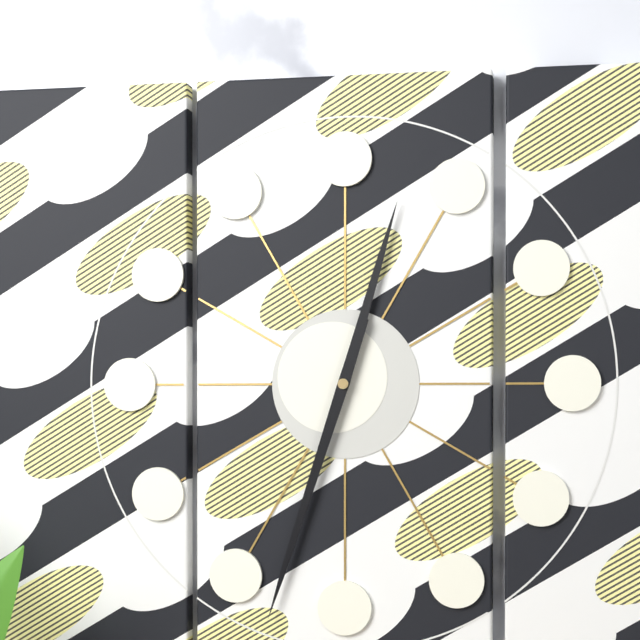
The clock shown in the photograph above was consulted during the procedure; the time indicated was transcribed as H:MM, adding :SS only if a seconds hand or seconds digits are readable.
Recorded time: 12:33
